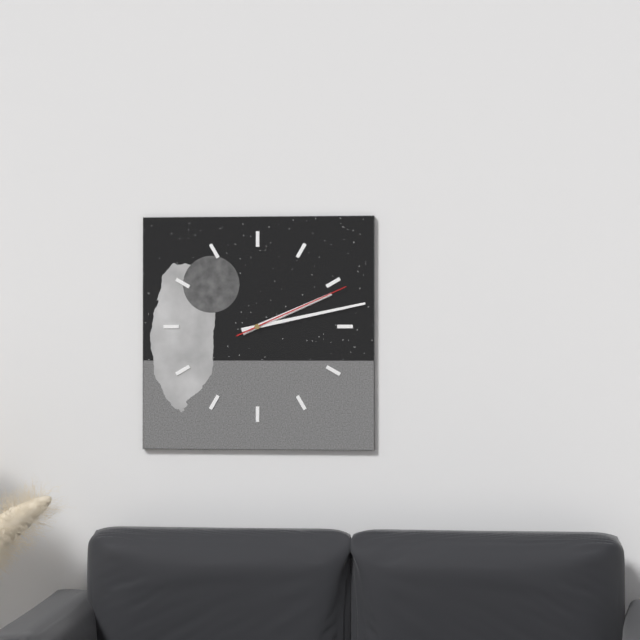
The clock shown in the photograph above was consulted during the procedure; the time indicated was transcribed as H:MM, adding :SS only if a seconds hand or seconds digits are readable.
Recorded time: 2:13:11
